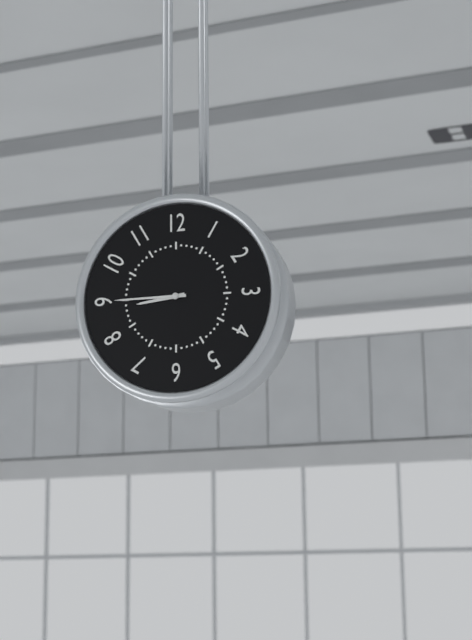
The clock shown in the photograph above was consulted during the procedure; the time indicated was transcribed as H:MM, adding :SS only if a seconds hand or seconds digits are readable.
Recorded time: 8:45
